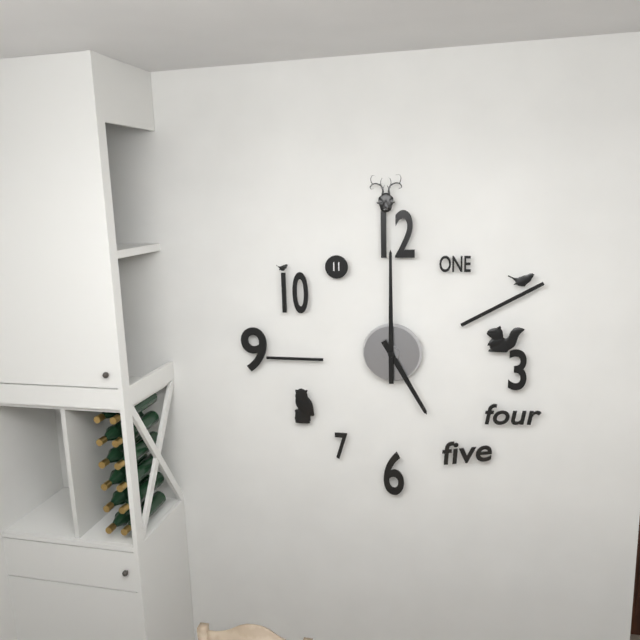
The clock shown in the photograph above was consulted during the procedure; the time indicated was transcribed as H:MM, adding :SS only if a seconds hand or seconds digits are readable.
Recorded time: 5:00
